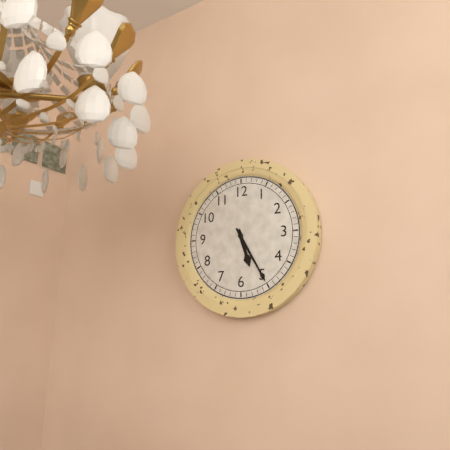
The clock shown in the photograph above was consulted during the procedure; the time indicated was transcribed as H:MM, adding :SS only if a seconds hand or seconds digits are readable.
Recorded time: 5:25
